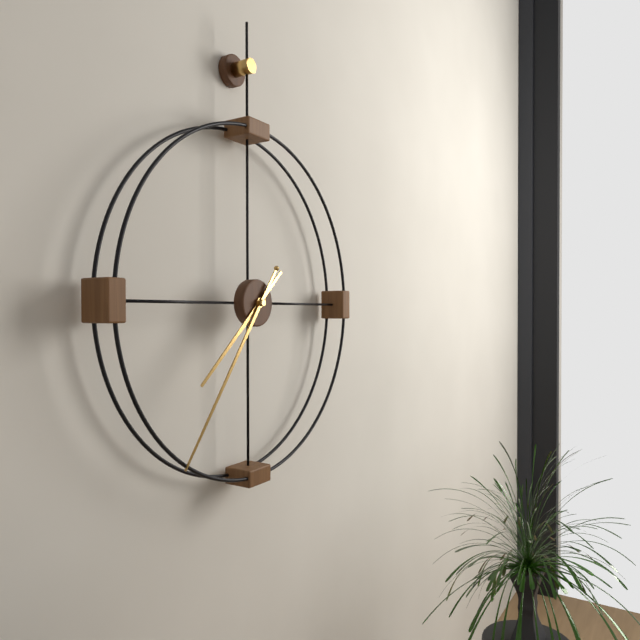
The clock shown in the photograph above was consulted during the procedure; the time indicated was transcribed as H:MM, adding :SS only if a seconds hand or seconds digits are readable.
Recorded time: 7:36
